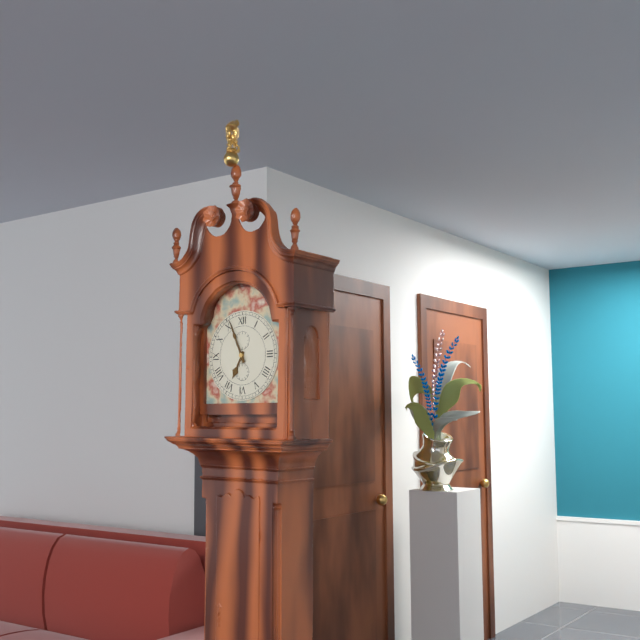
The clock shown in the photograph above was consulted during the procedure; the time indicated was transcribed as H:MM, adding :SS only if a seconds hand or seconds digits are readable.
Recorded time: 6:56
